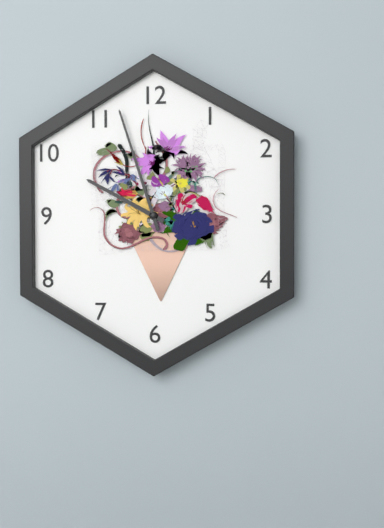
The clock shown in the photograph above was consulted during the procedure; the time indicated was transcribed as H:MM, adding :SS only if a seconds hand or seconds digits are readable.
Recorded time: 9:57
